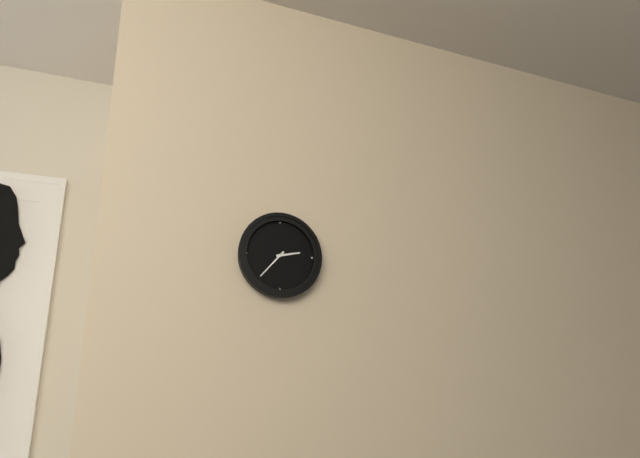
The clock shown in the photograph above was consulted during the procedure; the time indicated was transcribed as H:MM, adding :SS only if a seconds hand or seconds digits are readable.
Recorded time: 2:37
